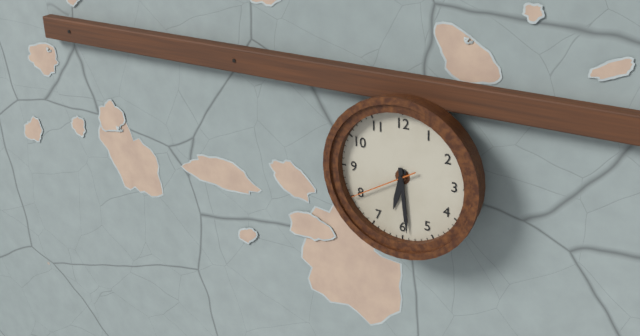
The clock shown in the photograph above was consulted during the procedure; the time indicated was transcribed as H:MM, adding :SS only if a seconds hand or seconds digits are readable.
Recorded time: 6:29:40
